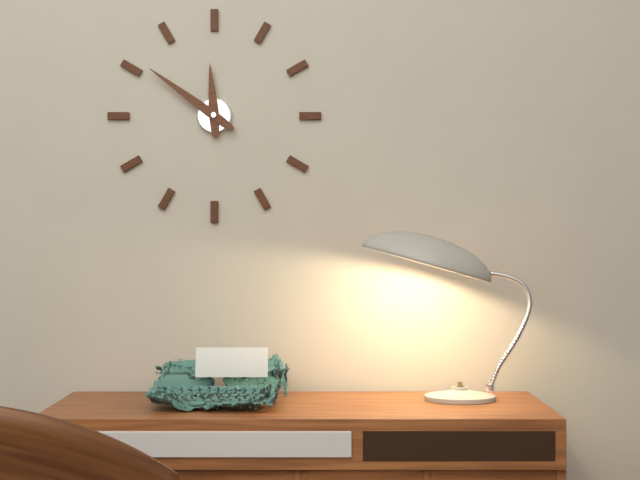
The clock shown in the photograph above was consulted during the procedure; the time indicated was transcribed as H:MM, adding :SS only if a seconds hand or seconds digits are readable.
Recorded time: 11:51
